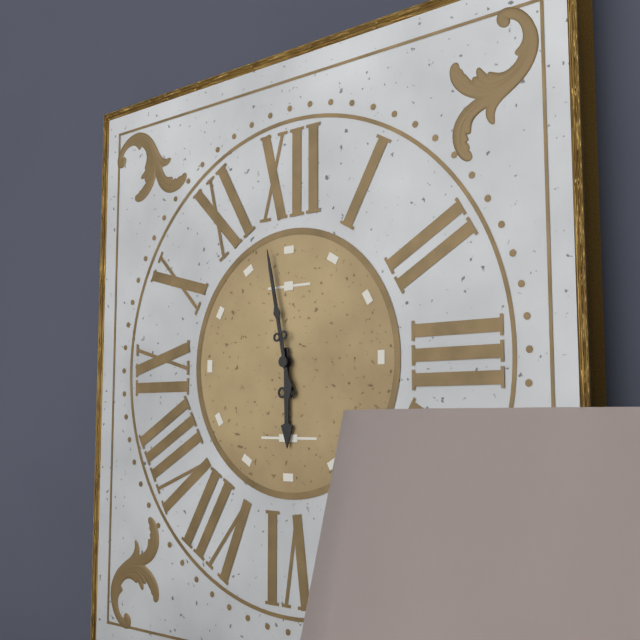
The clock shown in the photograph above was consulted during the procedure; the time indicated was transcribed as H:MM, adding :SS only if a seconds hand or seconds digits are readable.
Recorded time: 5:58
